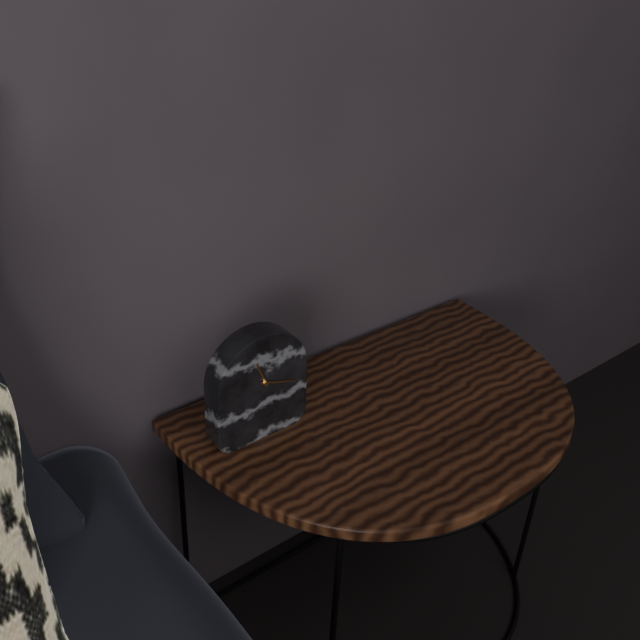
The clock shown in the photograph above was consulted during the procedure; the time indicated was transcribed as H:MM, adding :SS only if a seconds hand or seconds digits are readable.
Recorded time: 11:18
